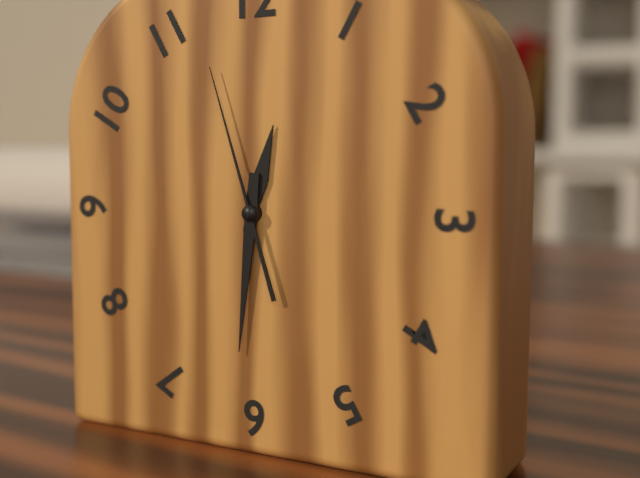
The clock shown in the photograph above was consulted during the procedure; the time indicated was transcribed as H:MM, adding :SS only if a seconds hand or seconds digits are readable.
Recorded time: 12:31:57
